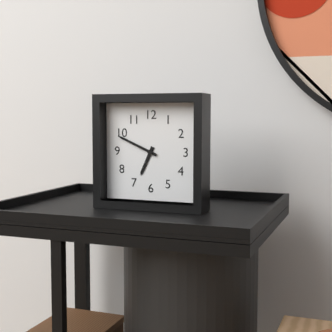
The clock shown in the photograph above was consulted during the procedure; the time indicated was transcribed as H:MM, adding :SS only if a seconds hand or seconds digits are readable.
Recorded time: 6:49
